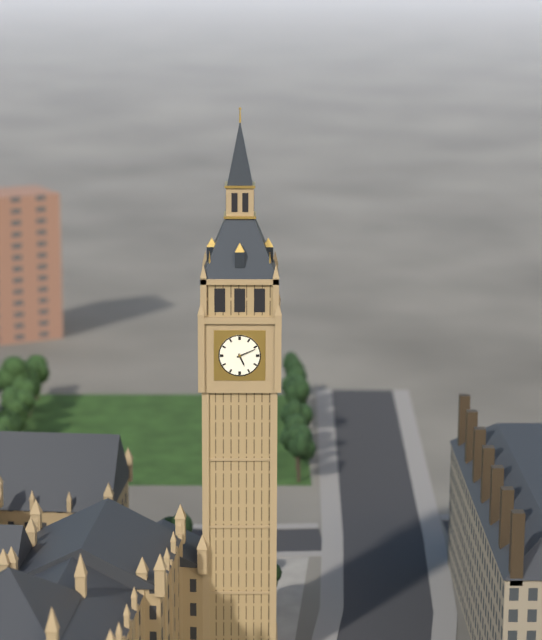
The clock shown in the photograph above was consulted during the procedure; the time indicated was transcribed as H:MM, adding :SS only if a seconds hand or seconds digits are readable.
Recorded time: 5:11
